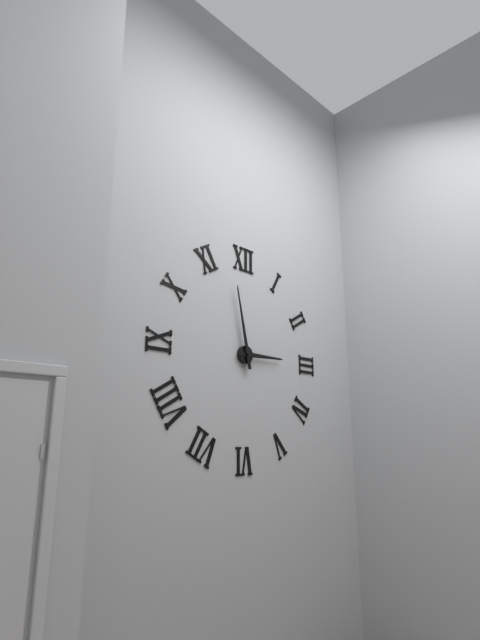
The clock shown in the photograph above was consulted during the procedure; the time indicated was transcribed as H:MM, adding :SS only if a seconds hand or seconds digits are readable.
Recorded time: 2:58
